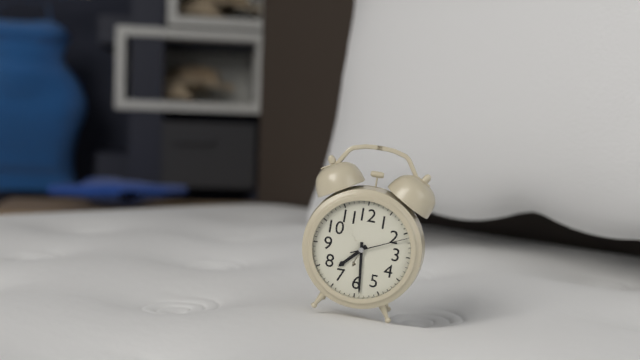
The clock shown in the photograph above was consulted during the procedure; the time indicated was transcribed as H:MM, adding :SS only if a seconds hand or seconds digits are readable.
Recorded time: 7:29:11
